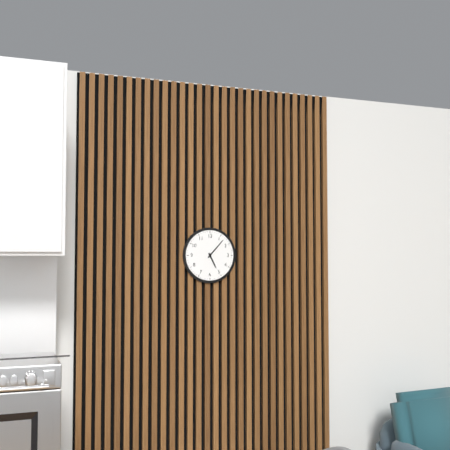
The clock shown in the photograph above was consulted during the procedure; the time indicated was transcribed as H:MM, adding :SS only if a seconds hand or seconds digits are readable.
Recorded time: 5:07
